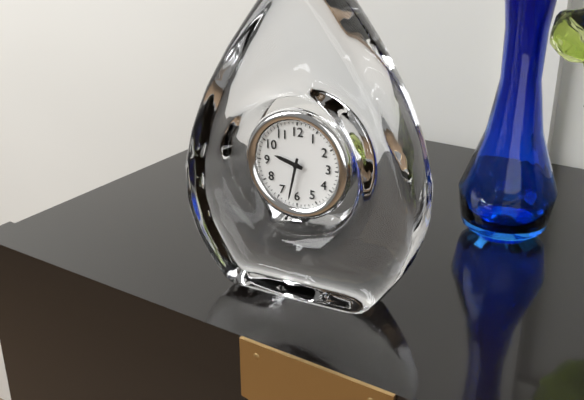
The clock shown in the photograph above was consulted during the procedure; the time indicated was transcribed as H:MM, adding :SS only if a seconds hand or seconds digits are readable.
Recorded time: 9:32
